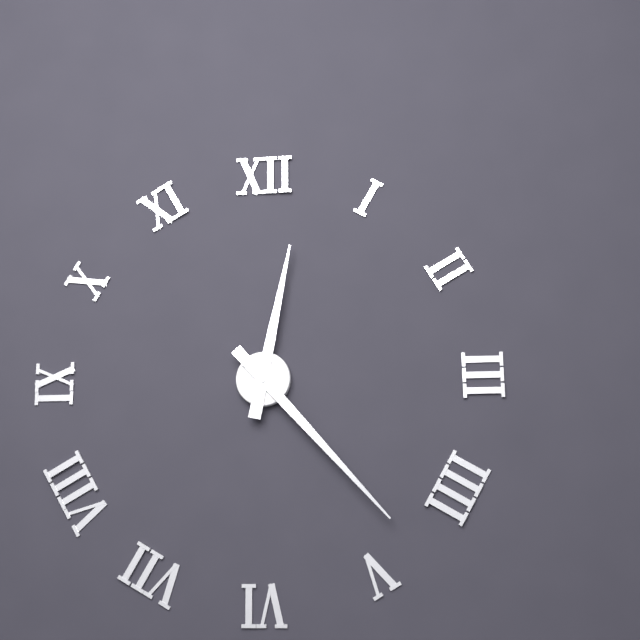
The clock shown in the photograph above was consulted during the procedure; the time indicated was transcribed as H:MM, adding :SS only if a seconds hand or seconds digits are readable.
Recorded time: 12:23
